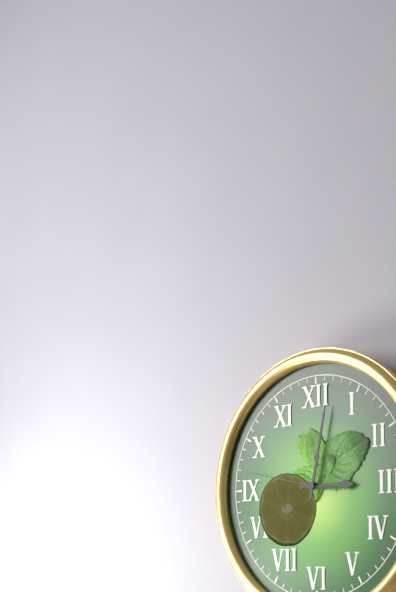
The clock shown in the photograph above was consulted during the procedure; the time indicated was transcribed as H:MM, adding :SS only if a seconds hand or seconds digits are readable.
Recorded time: 3:02:47
